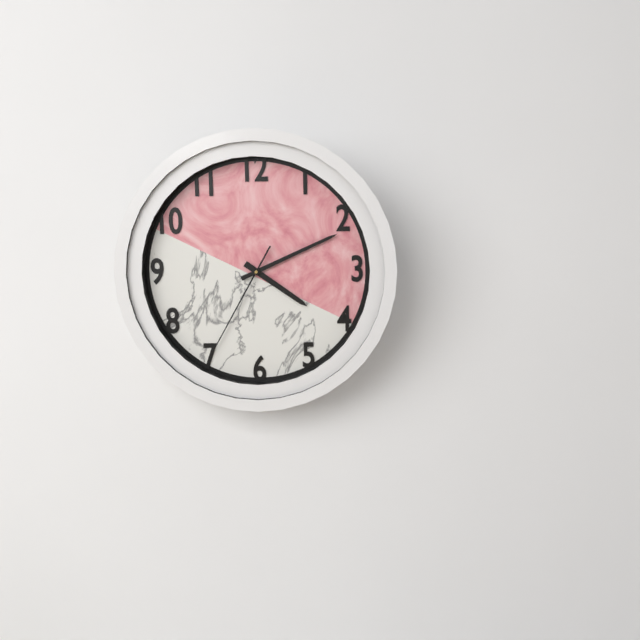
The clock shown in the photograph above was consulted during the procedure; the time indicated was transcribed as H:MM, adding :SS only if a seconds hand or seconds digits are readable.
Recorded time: 4:11:35
